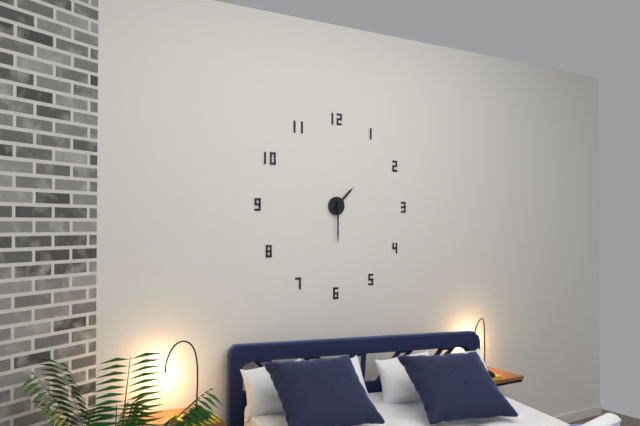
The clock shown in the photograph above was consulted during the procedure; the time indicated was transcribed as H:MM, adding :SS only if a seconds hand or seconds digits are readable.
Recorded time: 1:30
